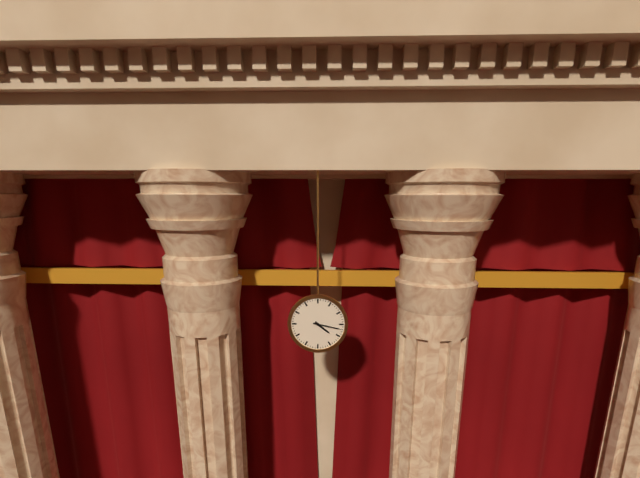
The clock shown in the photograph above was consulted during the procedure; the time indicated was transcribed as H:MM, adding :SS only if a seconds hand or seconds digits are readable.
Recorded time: 4:17
